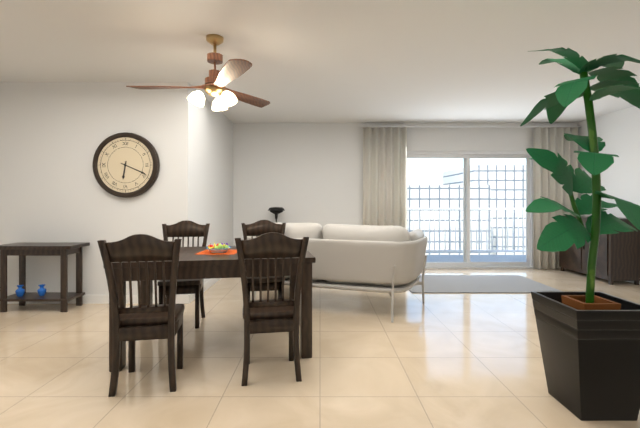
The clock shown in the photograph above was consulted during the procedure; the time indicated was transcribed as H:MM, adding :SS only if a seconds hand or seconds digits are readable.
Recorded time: 6:19
